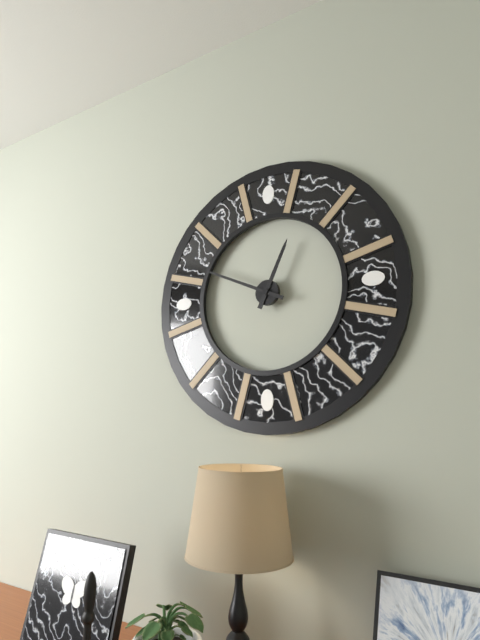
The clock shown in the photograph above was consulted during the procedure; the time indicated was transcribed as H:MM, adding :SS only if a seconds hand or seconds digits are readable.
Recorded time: 12:49
